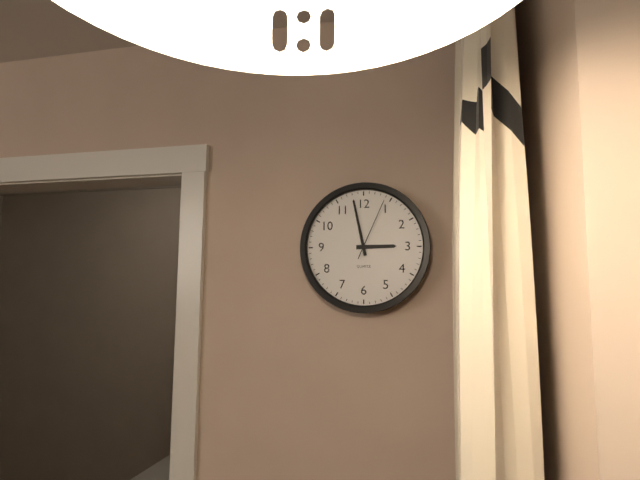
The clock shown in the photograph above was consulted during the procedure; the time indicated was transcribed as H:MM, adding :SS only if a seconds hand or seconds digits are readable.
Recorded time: 2:58:04
